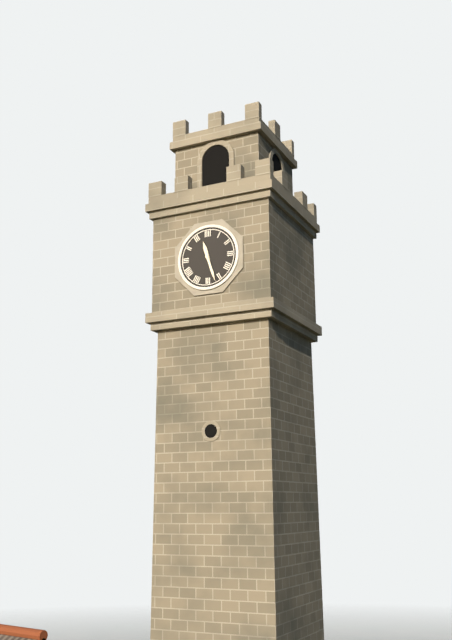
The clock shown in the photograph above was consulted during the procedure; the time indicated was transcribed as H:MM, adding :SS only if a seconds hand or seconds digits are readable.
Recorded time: 11:27
